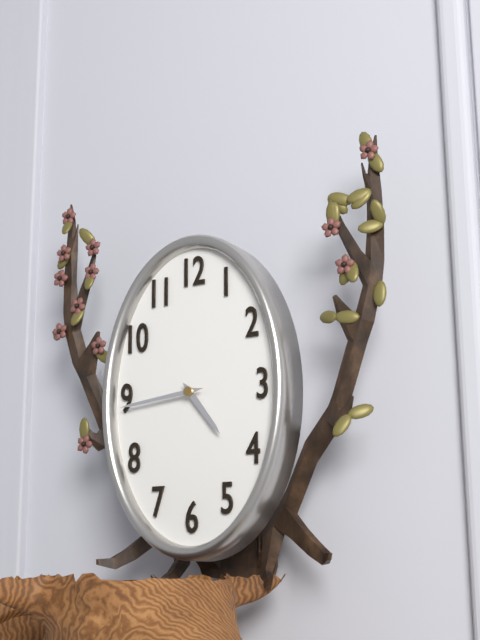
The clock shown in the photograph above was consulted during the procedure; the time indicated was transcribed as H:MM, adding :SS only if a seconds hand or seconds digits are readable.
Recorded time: 4:44
